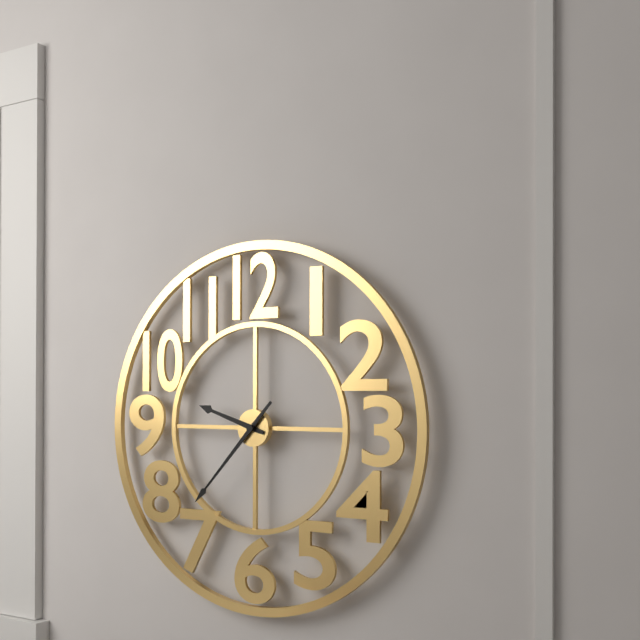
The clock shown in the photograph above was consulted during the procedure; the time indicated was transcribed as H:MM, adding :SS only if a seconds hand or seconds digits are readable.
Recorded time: 9:37
